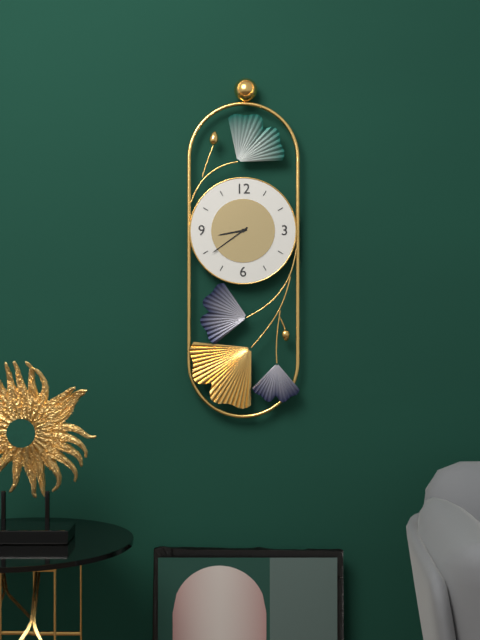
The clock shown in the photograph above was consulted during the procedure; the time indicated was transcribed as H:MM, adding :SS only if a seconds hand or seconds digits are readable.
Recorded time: 8:39
